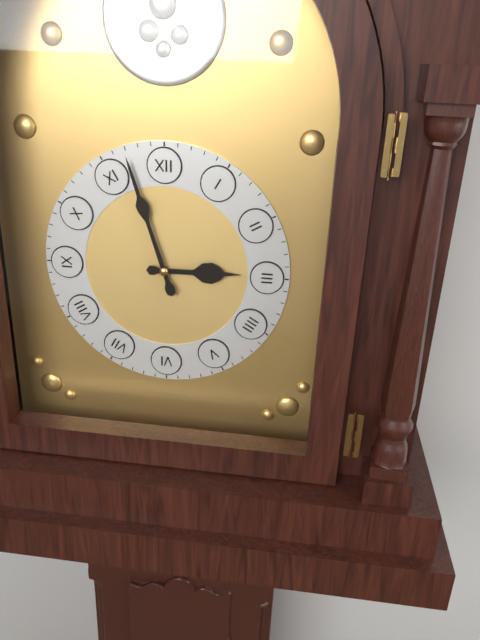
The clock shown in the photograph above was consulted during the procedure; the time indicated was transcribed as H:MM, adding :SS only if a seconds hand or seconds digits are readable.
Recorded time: 2:57
